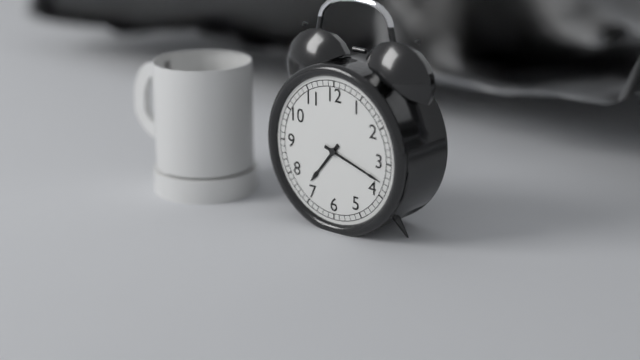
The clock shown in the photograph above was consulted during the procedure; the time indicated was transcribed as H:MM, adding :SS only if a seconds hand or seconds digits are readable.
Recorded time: 7:18
